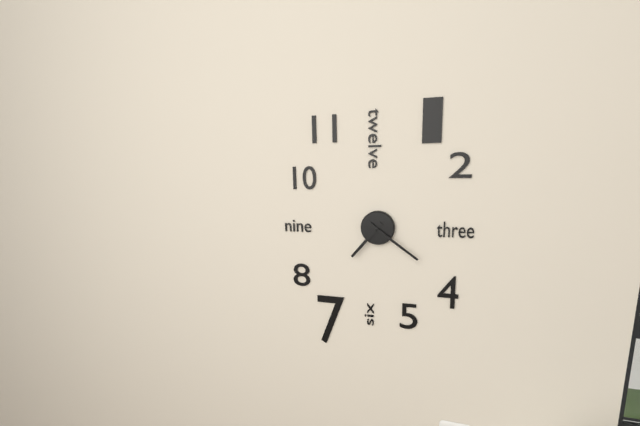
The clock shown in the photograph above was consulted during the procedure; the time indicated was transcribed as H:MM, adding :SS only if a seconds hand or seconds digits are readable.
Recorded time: 7:21
